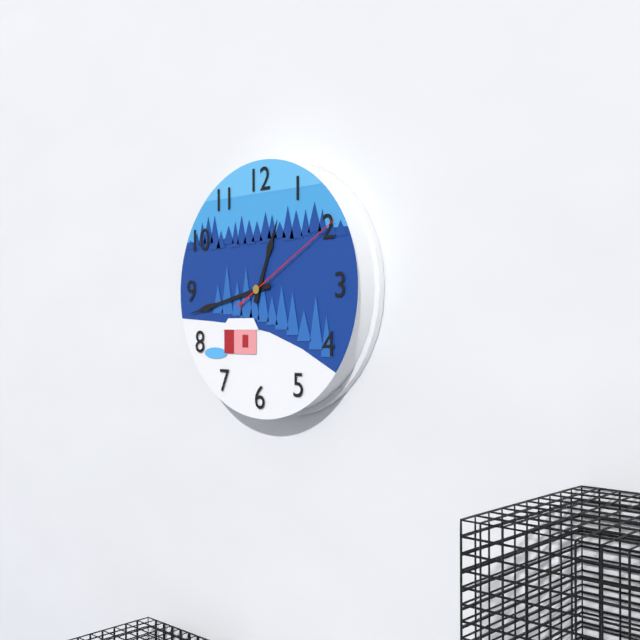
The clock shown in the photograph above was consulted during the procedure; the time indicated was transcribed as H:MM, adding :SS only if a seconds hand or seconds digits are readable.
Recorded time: 12:43:10
